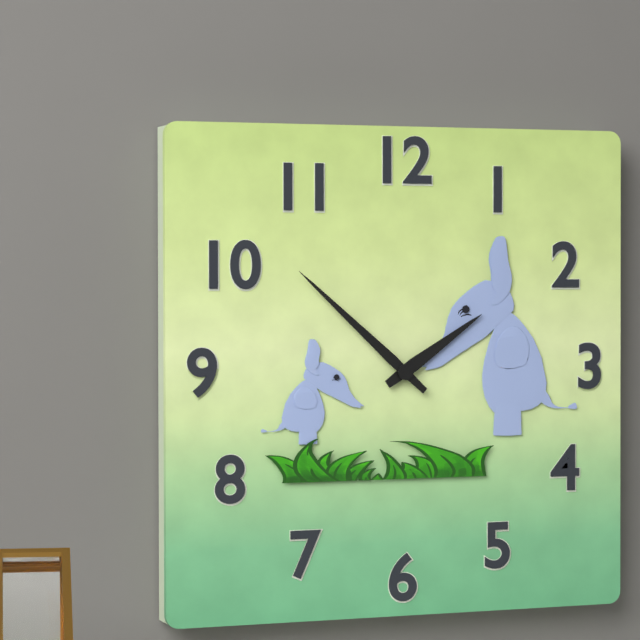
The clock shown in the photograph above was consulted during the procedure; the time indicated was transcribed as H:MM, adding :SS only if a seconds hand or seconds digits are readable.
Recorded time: 1:52
